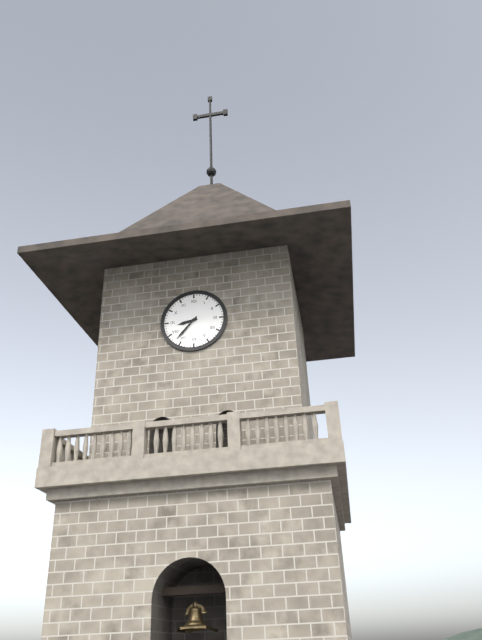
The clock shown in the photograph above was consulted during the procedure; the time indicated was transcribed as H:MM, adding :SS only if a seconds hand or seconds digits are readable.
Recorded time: 8:37
